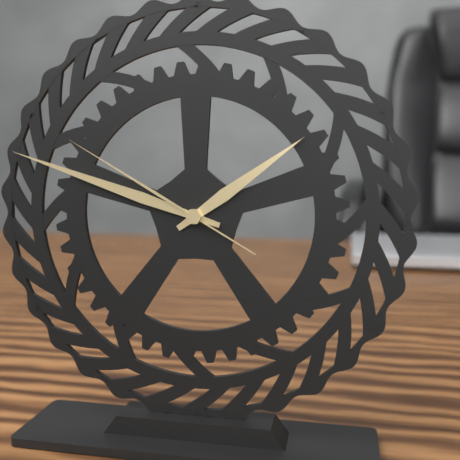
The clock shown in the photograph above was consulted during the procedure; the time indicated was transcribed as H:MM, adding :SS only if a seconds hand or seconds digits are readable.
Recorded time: 1:48:50
